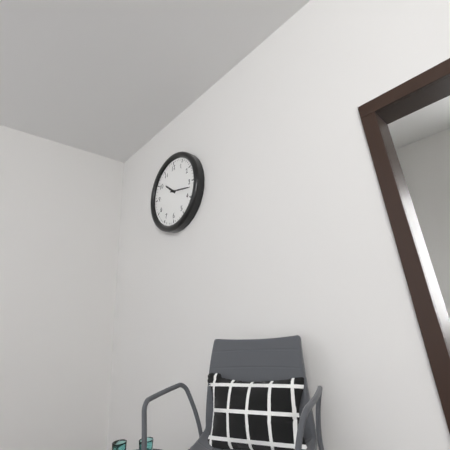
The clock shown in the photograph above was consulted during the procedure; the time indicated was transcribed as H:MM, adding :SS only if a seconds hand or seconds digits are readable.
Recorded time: 10:17
